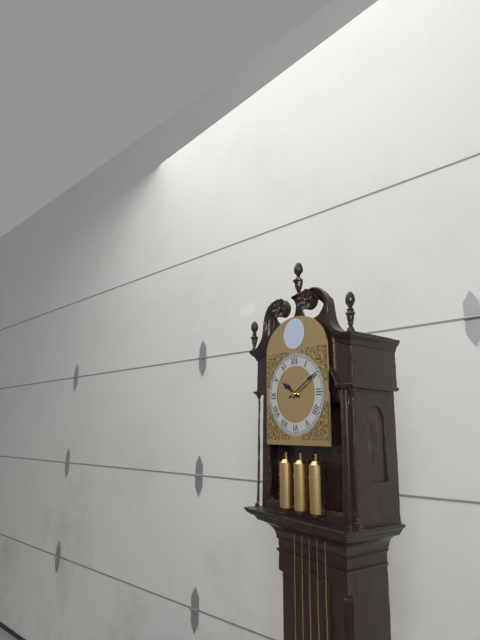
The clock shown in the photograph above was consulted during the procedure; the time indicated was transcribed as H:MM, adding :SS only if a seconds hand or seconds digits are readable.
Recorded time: 10:10
